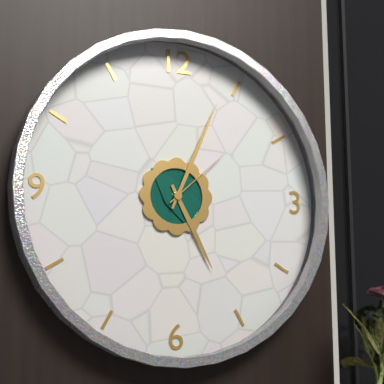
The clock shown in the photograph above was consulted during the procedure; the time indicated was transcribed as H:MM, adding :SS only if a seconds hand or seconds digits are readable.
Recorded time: 5:04:08
